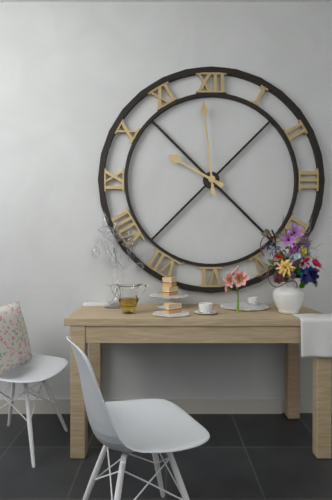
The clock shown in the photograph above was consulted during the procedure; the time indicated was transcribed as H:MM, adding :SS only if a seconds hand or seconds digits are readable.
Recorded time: 9:59
